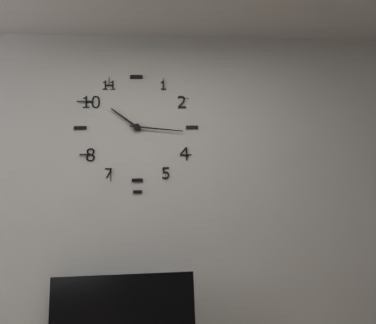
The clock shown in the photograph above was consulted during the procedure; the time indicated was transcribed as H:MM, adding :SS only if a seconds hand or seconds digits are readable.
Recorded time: 10:16
